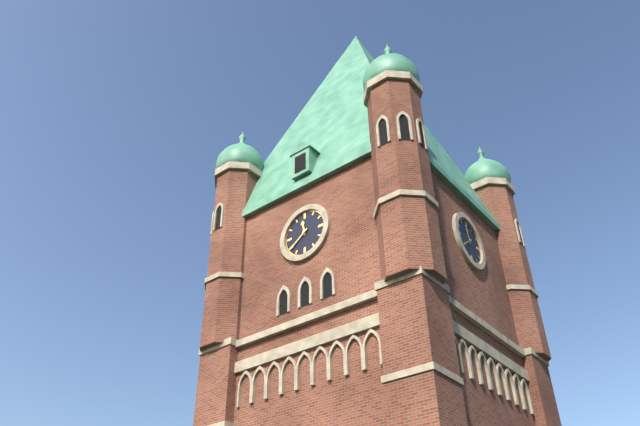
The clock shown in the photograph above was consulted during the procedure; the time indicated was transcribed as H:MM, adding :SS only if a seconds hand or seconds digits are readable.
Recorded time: 11:39
